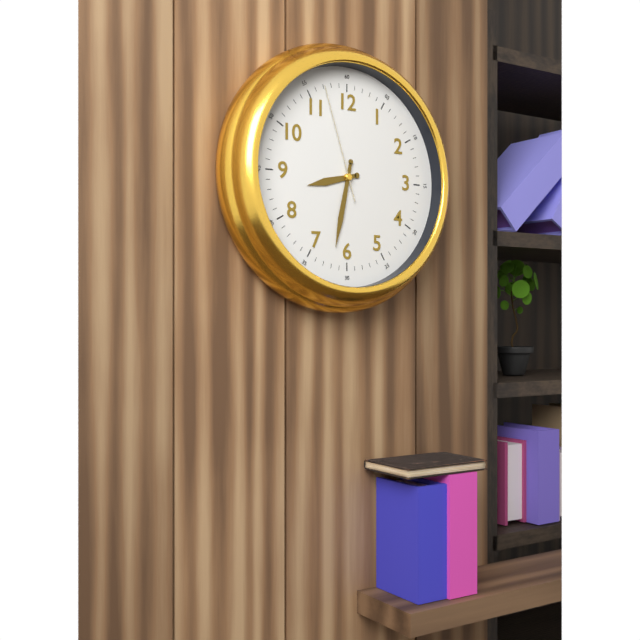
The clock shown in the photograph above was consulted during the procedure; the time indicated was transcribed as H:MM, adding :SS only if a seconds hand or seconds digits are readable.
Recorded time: 8:32:57
